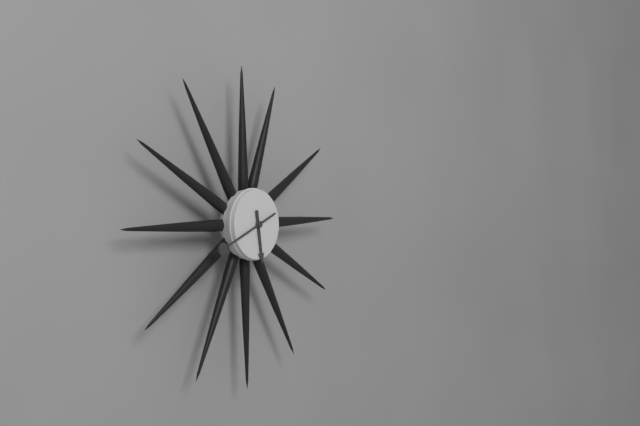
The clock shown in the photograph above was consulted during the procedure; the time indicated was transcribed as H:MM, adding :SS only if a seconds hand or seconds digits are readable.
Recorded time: 5:41
